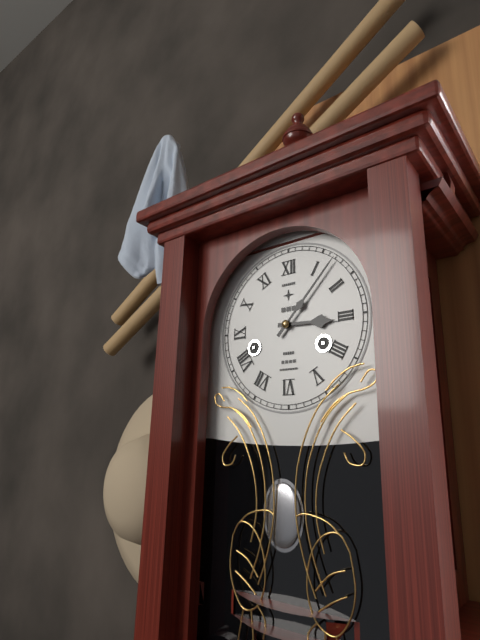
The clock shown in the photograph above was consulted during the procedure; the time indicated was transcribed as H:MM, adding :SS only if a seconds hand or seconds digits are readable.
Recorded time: 3:07
